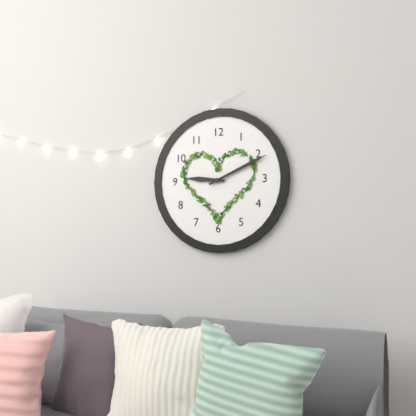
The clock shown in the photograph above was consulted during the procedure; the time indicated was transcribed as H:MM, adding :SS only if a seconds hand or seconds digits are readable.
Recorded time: 9:11
